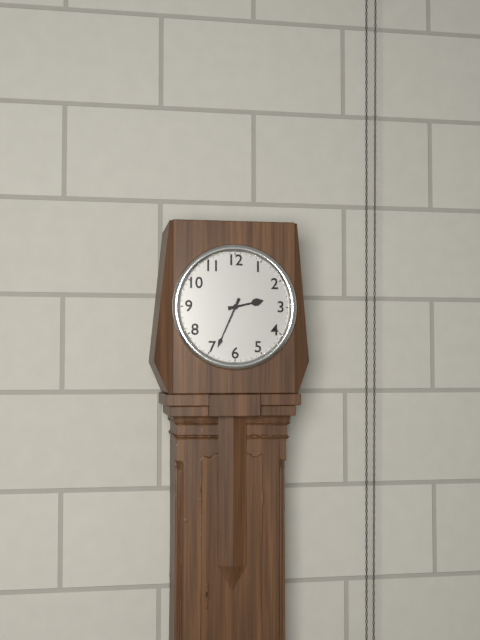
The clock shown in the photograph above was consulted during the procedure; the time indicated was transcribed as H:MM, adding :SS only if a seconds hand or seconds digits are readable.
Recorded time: 2:34
